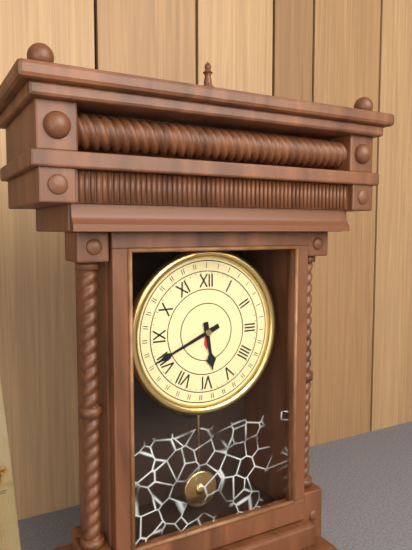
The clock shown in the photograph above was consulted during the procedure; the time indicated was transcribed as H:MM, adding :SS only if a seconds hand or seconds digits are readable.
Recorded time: 5:41
